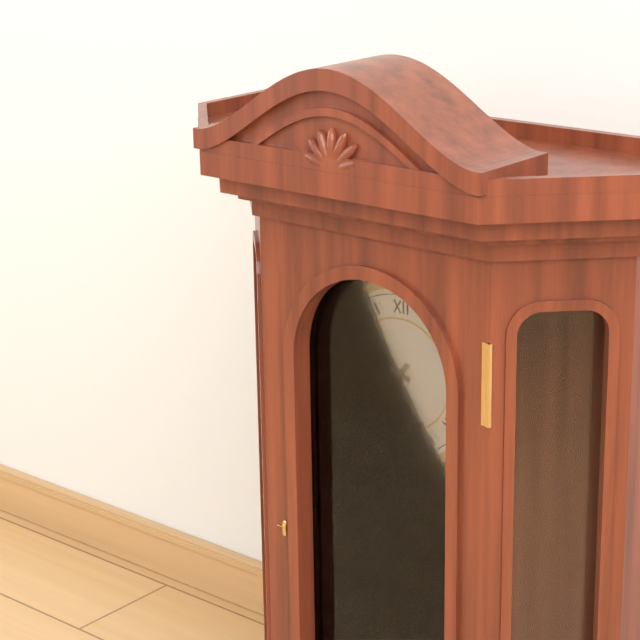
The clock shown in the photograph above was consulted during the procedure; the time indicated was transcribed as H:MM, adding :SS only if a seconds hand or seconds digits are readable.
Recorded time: 9:36
